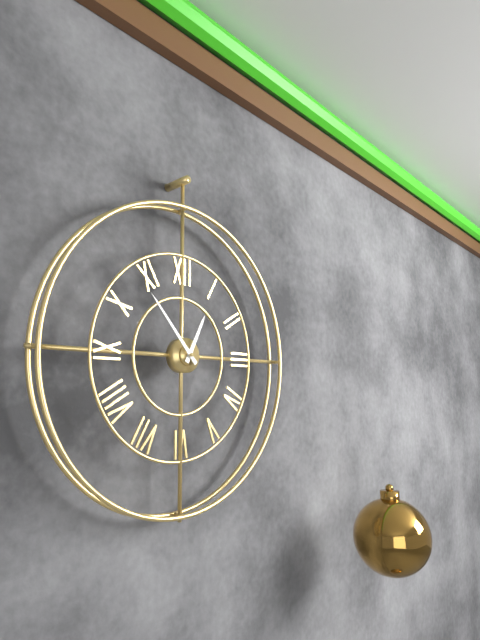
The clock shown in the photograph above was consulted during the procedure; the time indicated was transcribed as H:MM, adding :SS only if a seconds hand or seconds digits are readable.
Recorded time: 12:53
